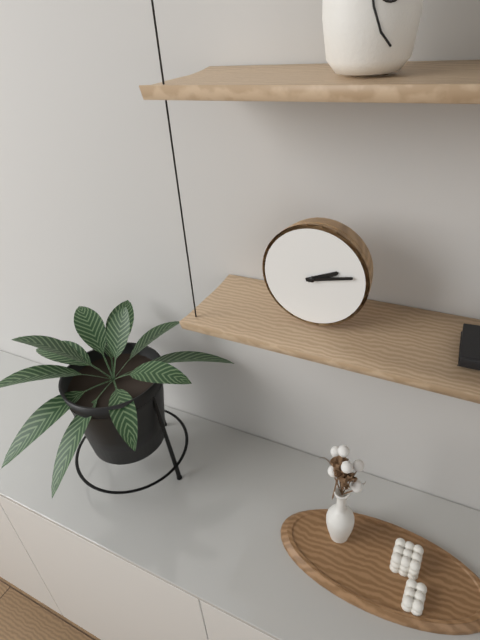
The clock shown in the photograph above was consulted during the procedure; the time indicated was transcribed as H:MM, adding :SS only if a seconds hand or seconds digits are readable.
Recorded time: 2:13
